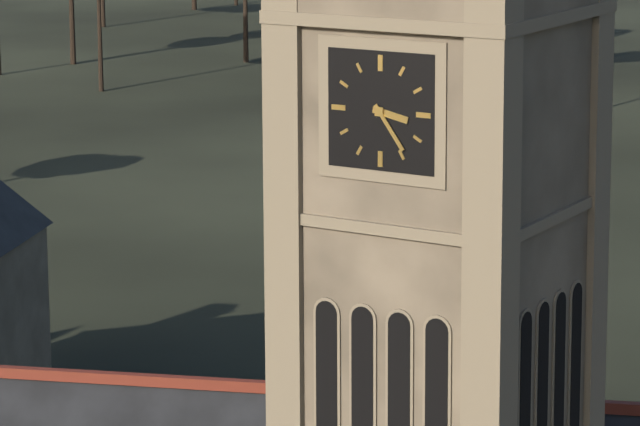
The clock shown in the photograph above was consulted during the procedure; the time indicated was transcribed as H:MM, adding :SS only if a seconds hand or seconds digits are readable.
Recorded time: 3:24
